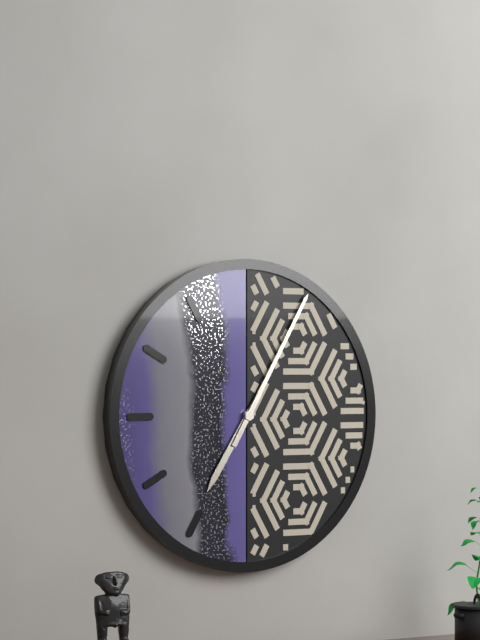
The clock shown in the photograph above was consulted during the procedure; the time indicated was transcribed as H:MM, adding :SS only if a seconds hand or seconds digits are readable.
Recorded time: 7:05
